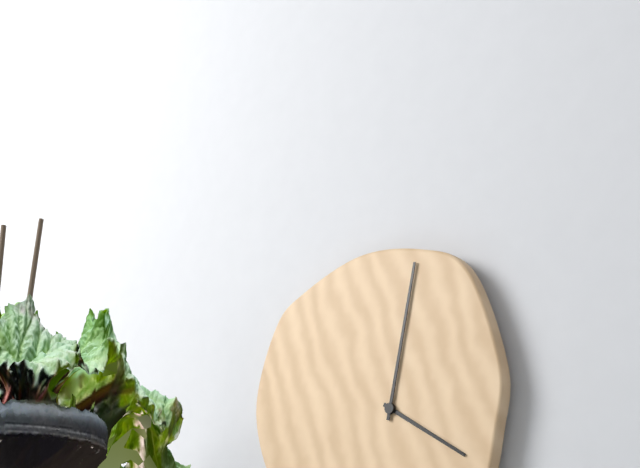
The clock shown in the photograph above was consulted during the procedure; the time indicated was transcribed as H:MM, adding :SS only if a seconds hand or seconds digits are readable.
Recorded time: 4:02
